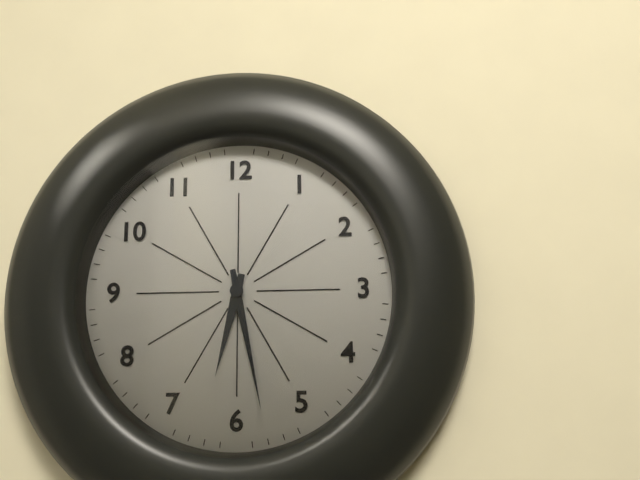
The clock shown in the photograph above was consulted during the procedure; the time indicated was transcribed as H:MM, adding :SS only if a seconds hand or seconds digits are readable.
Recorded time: 6:28
